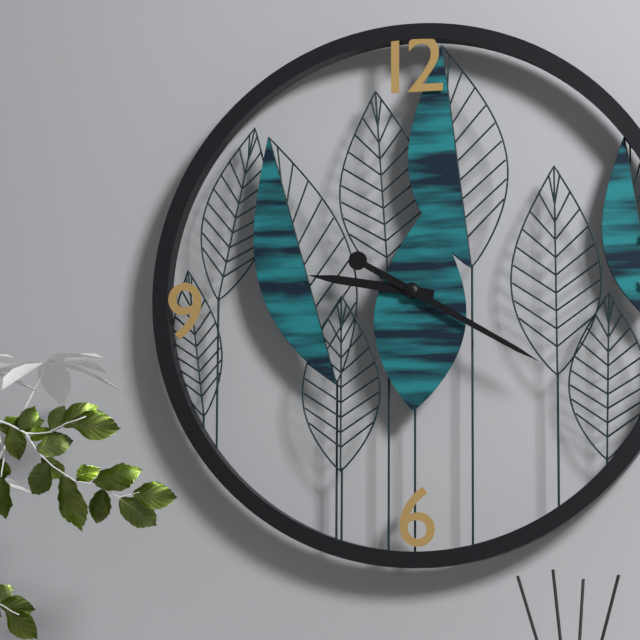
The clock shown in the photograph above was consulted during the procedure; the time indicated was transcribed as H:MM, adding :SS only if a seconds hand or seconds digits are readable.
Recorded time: 9:20
